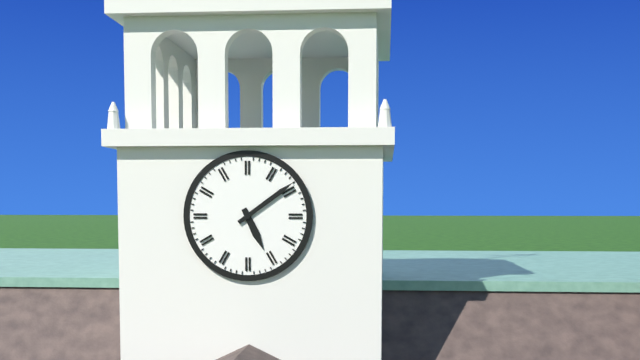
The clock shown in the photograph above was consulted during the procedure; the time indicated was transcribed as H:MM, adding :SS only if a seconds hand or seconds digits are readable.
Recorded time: 5:09
